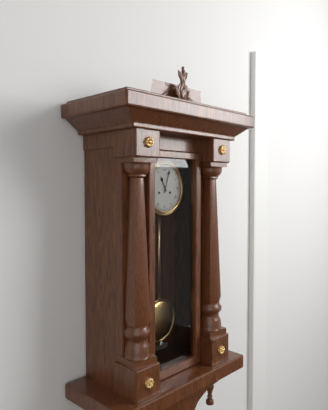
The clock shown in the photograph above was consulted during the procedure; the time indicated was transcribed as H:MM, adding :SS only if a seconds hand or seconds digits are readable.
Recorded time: 11:03
